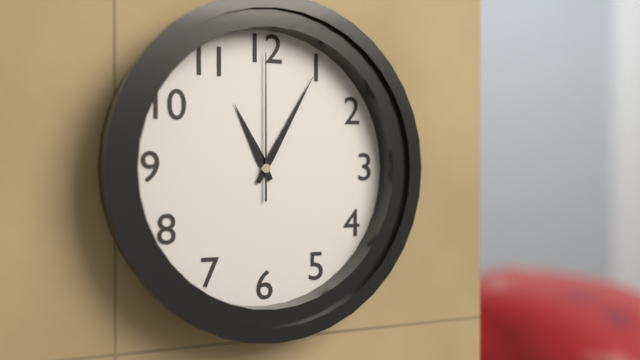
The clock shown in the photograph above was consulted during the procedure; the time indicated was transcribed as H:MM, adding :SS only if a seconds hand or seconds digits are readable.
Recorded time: 11:05:00
